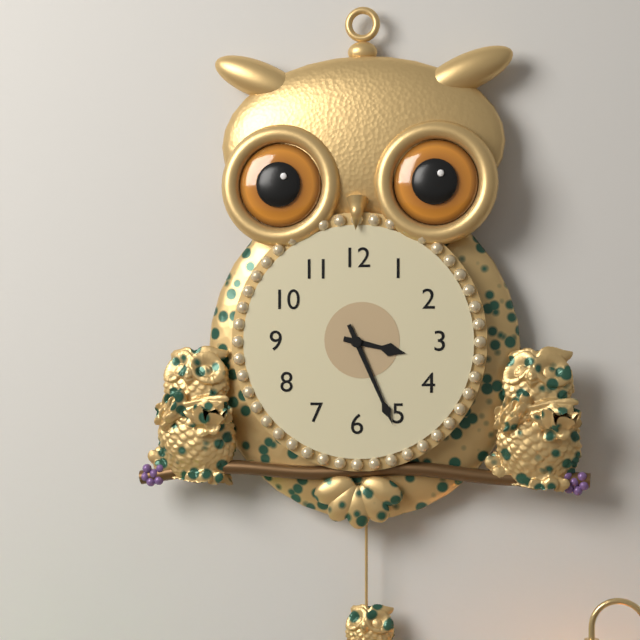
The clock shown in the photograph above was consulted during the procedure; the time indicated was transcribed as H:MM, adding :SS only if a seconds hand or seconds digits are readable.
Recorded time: 3:26
